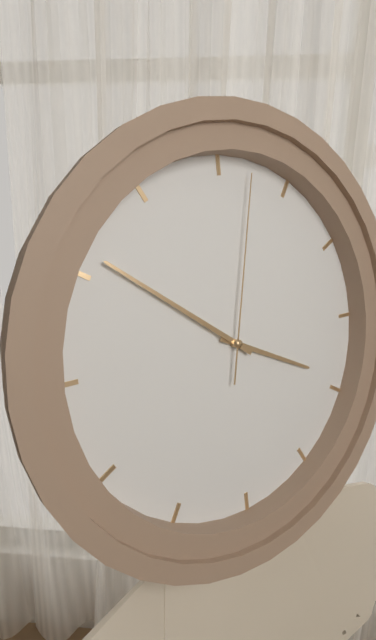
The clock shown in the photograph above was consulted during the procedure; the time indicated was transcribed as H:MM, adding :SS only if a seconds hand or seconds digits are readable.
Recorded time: 3:51:02
